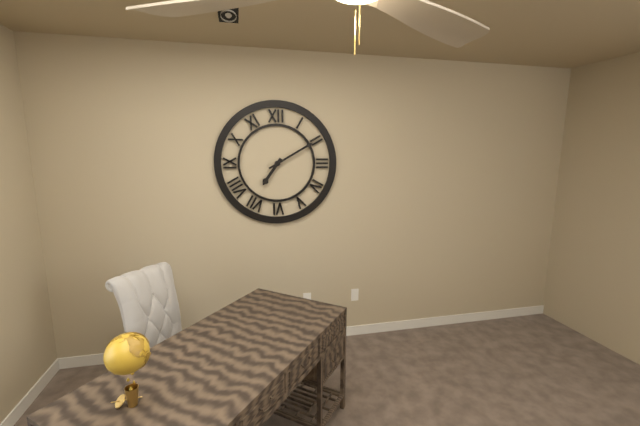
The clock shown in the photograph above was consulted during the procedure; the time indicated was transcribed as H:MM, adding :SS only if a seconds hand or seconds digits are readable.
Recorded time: 7:10
